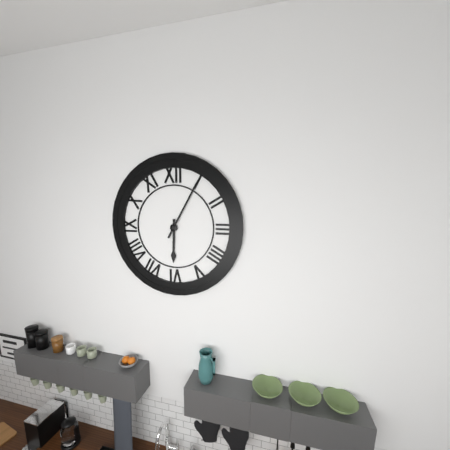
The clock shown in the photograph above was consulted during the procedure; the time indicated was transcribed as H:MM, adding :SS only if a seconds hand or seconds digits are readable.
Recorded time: 6:05
